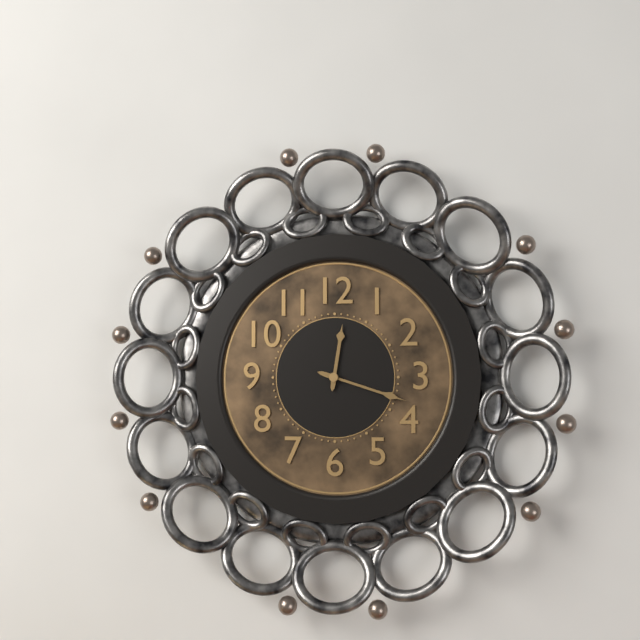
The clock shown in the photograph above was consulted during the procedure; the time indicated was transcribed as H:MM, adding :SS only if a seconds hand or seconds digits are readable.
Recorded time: 12:18
